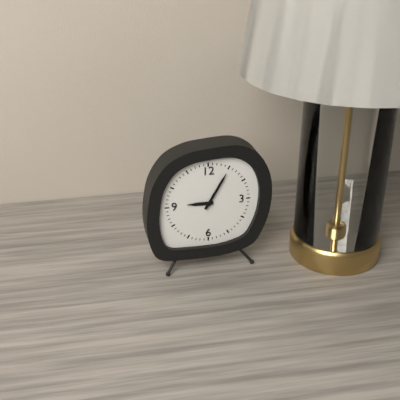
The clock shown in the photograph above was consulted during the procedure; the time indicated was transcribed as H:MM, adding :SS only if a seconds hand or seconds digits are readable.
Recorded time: 9:05
